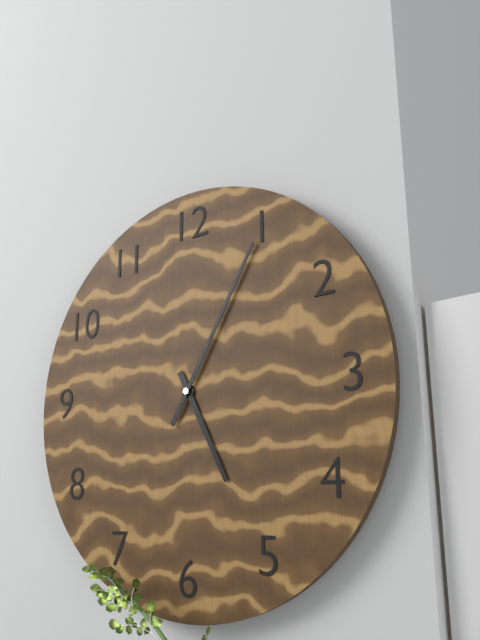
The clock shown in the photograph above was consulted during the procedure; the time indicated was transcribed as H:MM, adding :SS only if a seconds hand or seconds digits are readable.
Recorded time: 5:05
